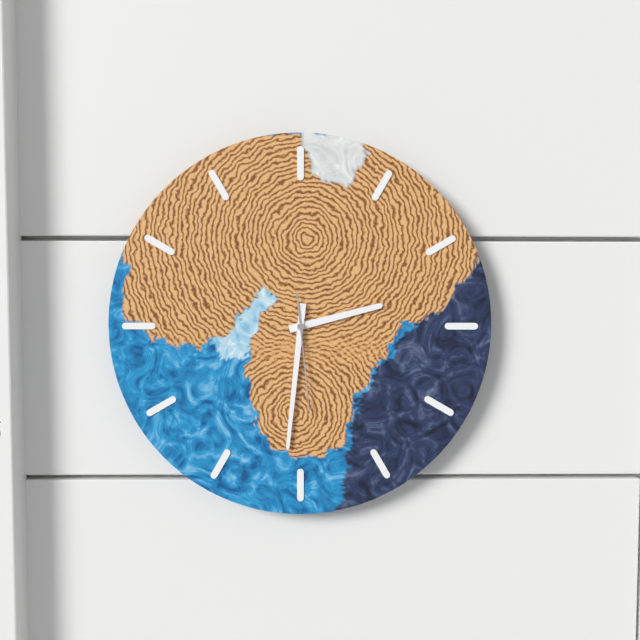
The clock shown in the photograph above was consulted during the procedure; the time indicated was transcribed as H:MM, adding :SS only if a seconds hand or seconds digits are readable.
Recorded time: 2:31:29
